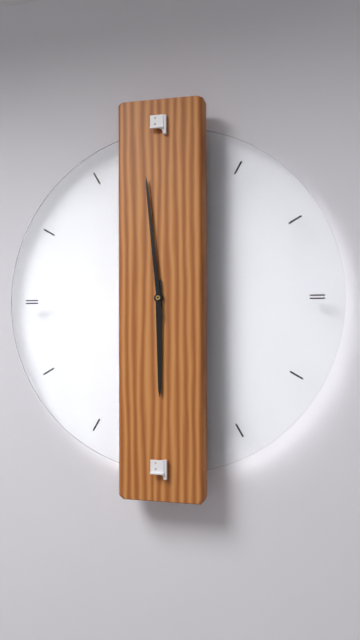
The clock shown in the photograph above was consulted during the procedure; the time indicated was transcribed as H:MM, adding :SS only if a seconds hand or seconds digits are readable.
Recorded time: 5:59
